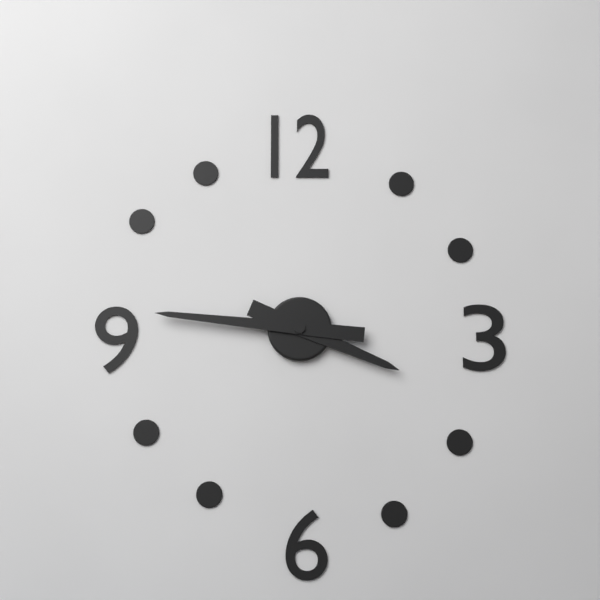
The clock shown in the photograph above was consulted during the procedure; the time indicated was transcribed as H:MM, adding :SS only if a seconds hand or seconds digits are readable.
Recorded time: 3:46
